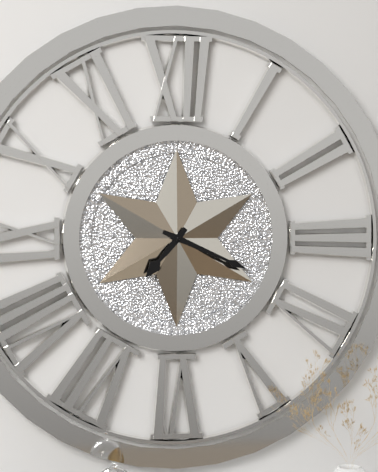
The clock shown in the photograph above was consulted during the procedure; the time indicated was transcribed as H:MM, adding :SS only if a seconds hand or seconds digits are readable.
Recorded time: 7:19
